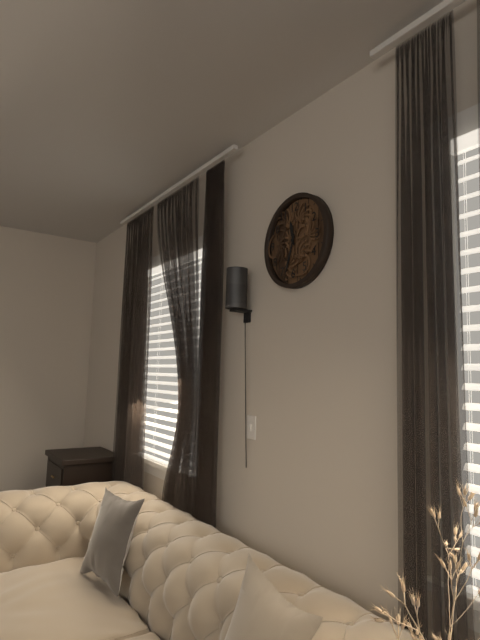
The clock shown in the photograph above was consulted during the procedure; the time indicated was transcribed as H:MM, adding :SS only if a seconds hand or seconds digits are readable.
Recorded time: 11:33
